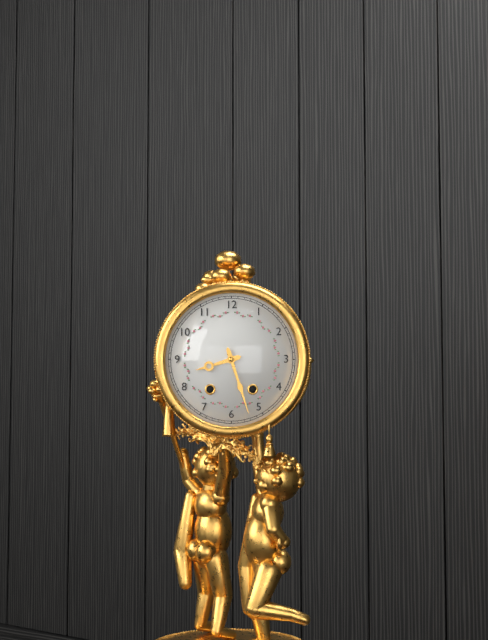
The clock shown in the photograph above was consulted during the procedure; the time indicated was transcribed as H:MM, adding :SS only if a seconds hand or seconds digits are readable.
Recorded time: 8:27
